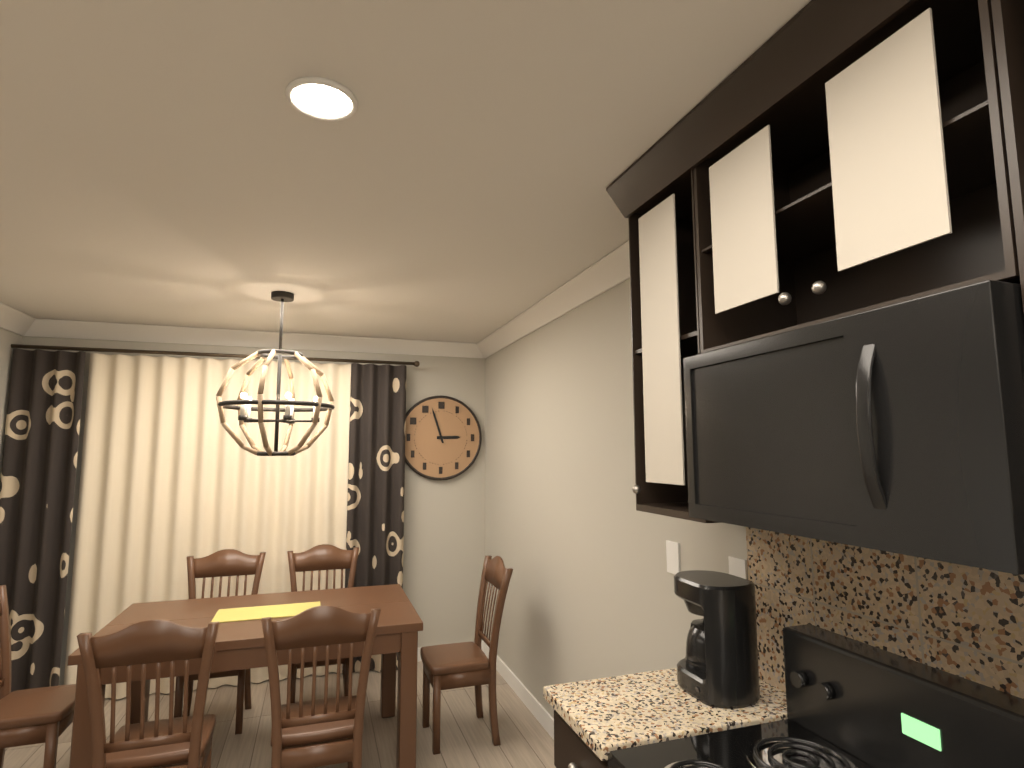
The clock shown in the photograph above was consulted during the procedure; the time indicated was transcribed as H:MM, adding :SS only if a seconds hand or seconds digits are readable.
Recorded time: 2:57
